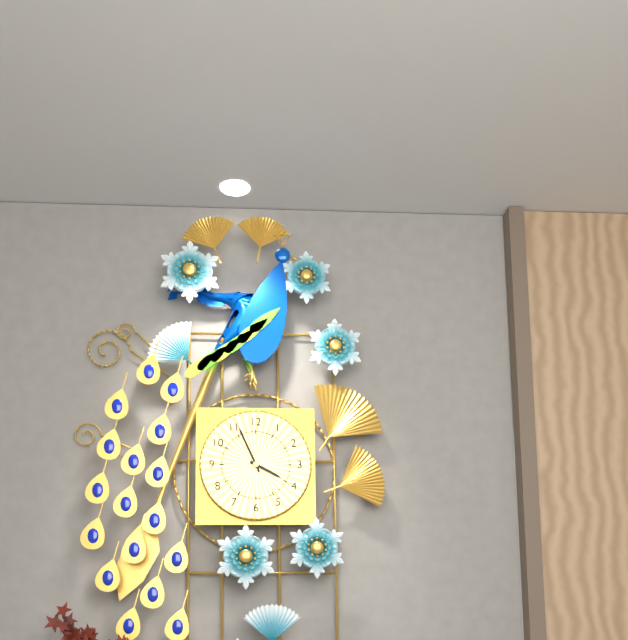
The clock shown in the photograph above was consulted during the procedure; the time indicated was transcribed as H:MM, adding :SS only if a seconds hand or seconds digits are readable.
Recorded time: 3:56
